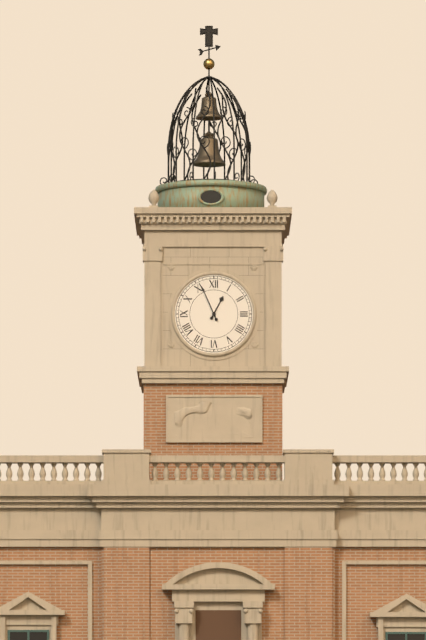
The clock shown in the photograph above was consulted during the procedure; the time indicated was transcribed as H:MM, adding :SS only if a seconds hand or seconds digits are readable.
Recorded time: 12:56
